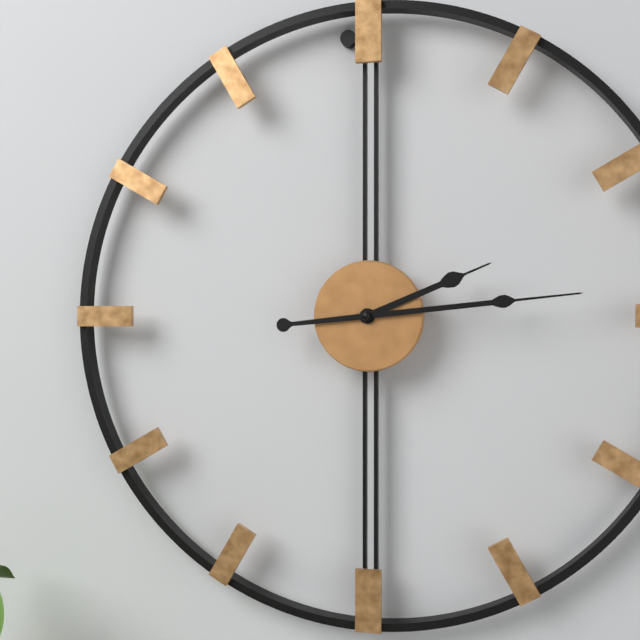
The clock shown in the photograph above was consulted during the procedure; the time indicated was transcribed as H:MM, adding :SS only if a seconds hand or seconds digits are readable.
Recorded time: 2:14
